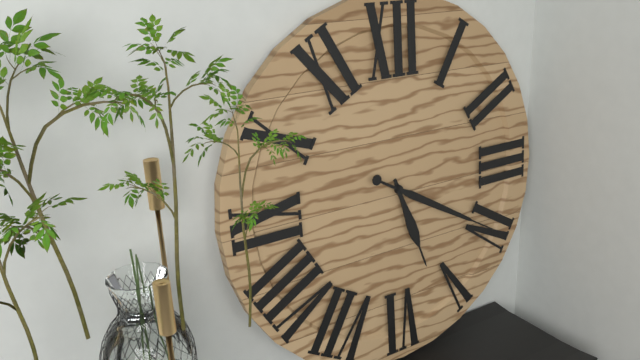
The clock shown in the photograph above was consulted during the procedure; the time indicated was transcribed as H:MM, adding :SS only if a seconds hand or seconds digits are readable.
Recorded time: 5:20
